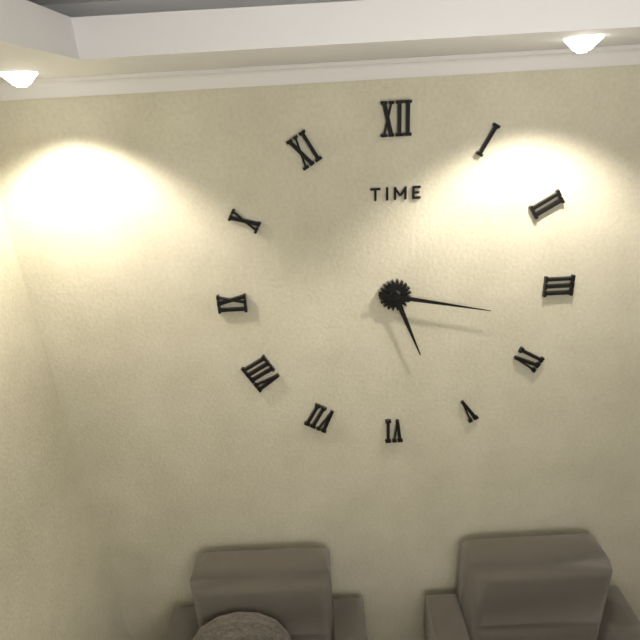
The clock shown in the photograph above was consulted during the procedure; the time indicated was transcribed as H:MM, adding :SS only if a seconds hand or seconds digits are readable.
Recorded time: 5:17
